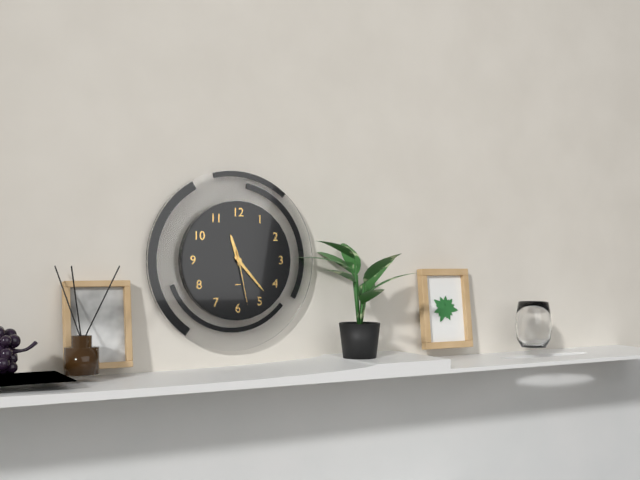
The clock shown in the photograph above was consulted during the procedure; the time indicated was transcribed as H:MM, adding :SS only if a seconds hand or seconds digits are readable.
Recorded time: 11:23:28
